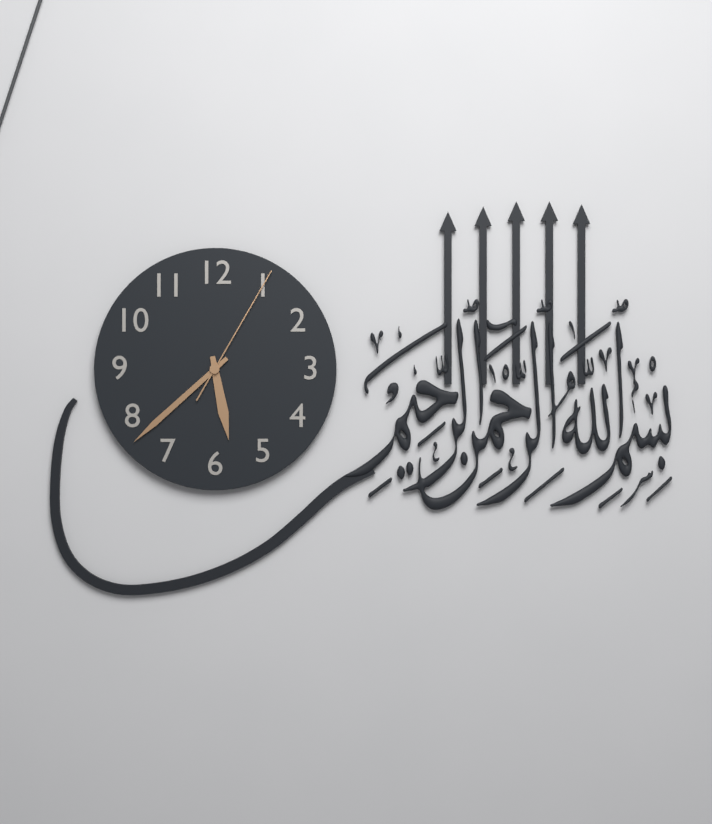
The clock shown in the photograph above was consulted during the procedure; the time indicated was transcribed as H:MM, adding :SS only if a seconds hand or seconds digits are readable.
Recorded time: 5:38:05
